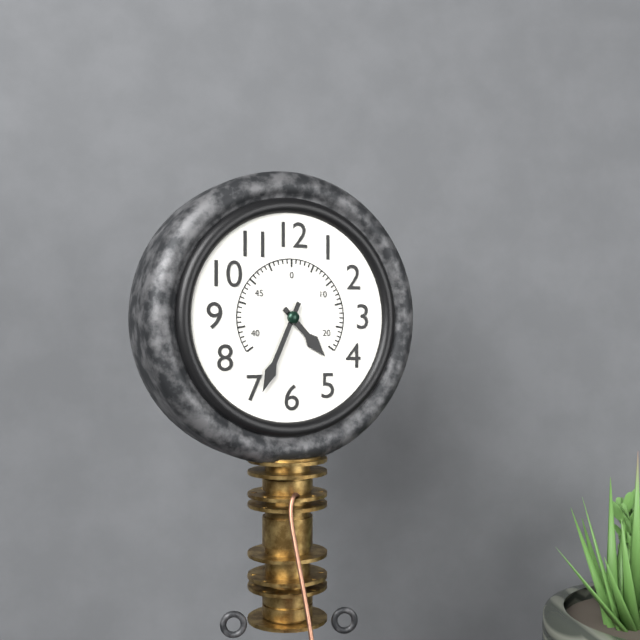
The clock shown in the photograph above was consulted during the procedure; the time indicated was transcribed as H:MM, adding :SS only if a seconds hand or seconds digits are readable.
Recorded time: 4:34
